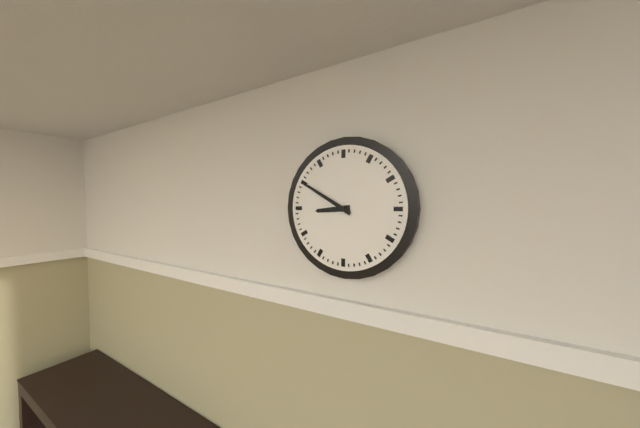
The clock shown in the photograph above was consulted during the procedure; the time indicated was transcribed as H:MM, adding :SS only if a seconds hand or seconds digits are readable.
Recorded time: 8:50
